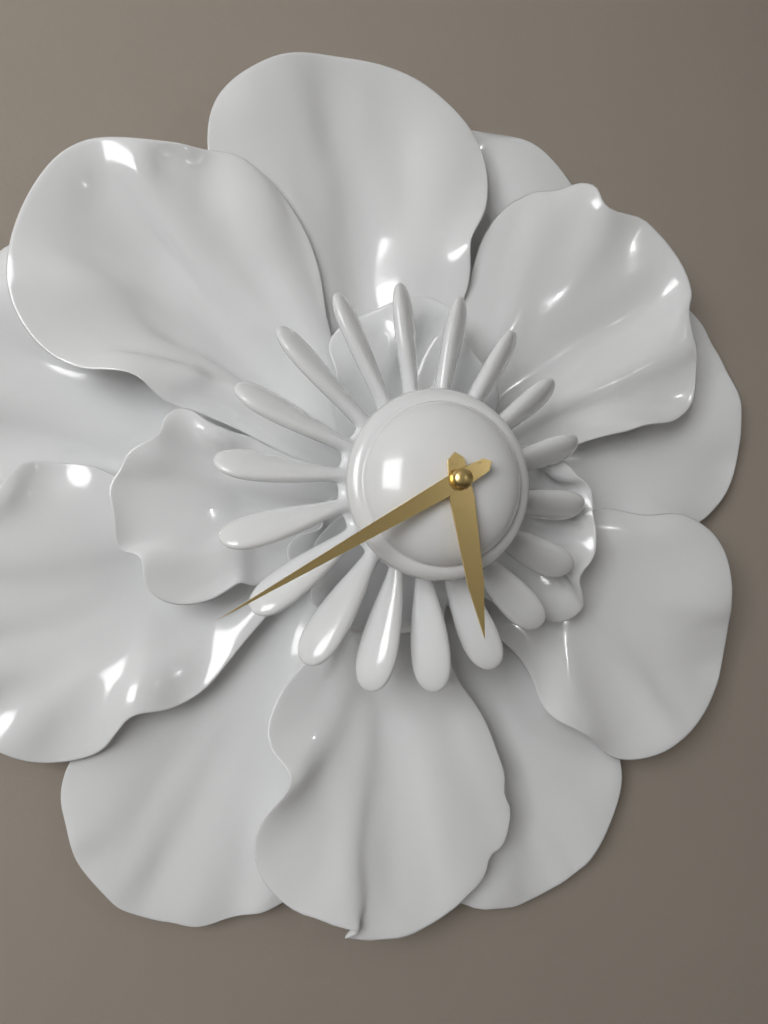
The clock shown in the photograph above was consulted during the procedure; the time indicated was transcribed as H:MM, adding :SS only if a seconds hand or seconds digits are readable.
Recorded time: 5:40
